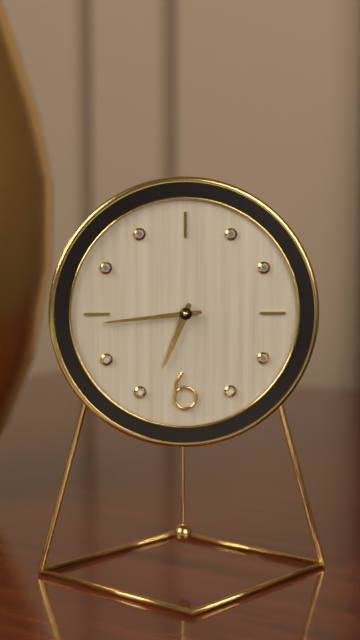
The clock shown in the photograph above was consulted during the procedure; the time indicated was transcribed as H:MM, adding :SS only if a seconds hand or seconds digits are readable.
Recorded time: 6:44
